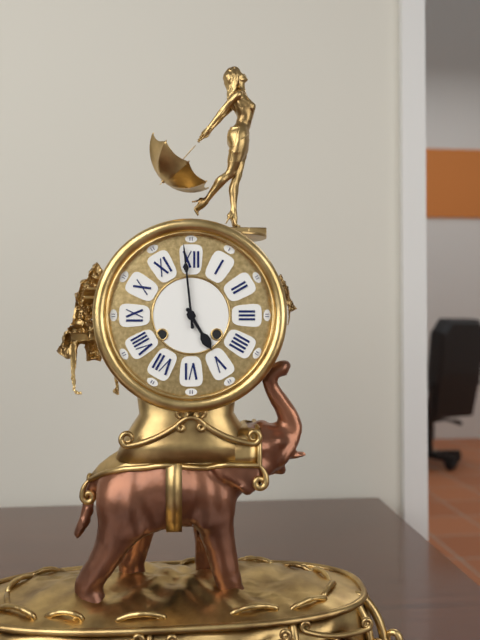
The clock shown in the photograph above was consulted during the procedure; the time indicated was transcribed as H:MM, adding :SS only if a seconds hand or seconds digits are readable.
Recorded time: 4:59
